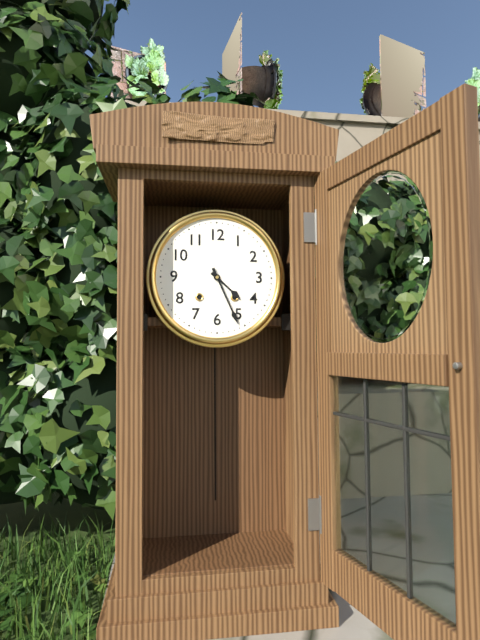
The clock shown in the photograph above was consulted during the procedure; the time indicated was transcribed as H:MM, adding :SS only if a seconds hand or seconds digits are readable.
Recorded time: 4:26
